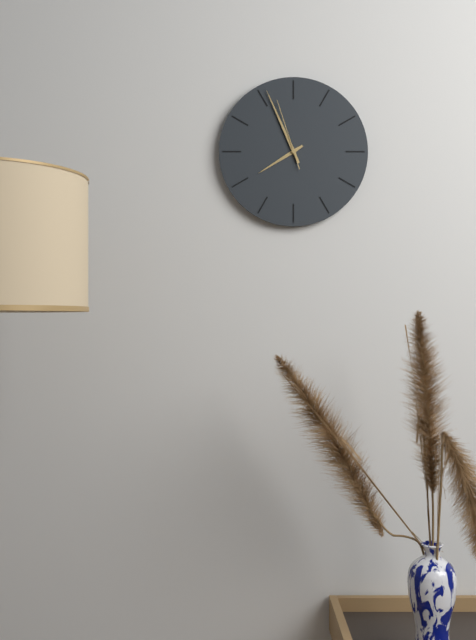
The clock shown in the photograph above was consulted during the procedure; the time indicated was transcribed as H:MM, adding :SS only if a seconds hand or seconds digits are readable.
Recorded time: 7:56:57
